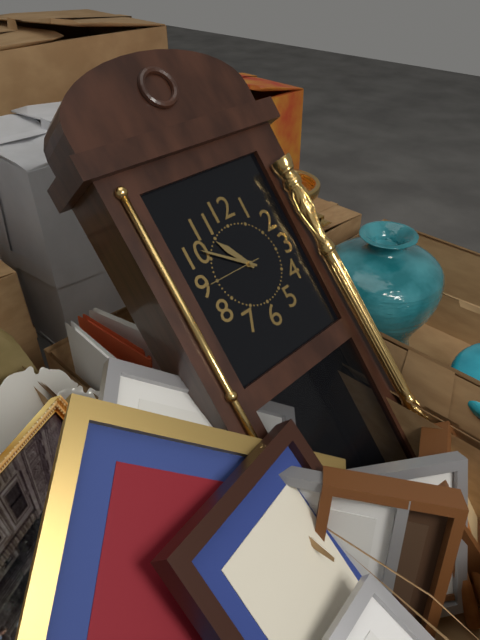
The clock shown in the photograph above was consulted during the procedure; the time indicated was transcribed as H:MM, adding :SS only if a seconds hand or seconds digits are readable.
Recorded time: 10:51:45
